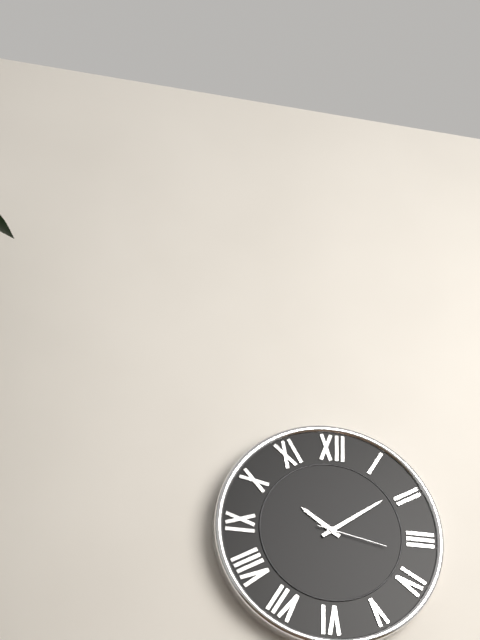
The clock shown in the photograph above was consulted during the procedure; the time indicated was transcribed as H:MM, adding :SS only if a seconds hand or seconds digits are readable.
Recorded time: 10:09:17
